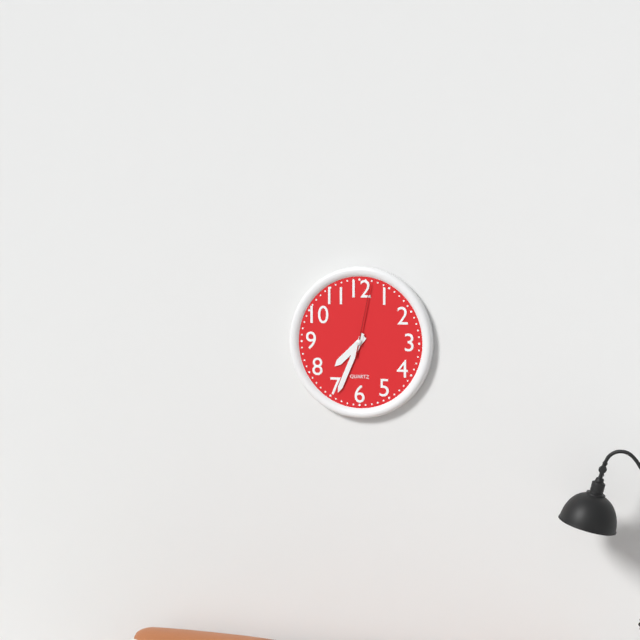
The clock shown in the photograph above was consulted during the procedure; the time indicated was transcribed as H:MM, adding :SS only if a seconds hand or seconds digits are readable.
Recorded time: 7:34:02
